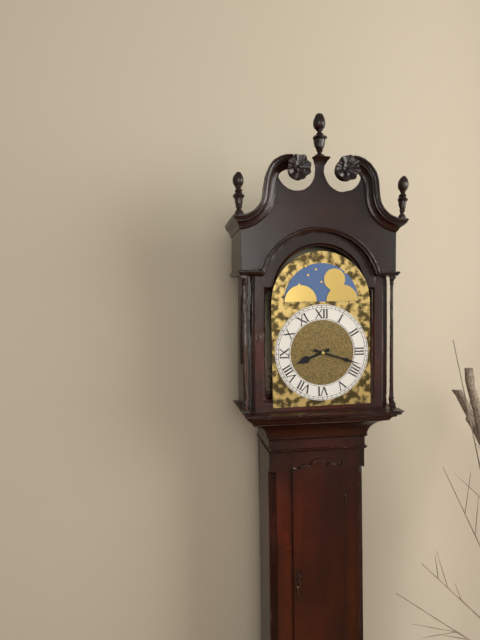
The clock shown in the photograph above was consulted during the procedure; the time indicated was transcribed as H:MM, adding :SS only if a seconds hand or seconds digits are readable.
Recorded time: 8:18
